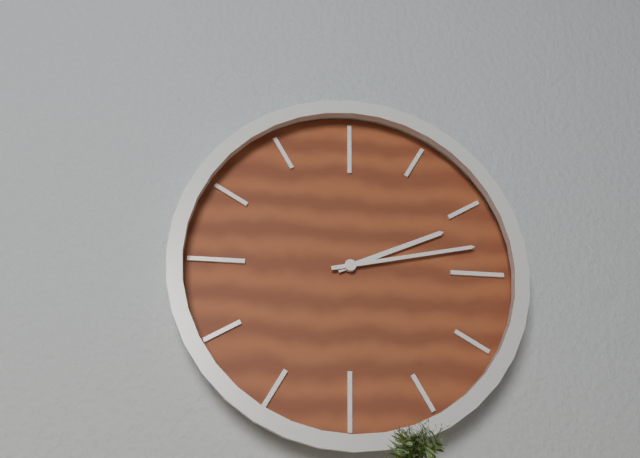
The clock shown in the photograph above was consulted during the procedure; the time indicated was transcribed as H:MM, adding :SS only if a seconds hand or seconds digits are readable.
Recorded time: 2:13
